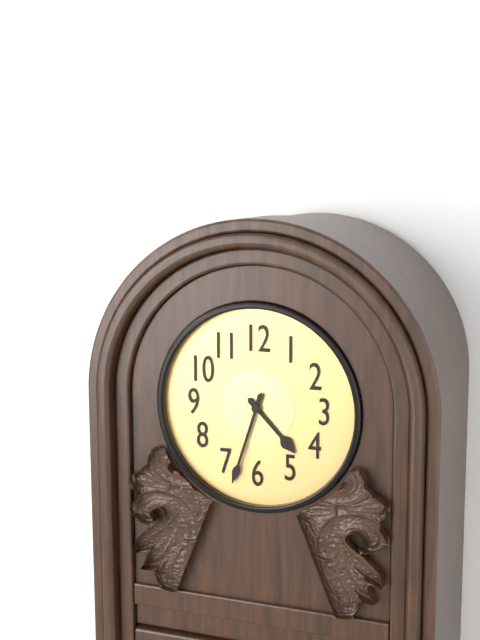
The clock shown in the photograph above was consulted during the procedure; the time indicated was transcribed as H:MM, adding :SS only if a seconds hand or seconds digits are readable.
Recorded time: 4:33
